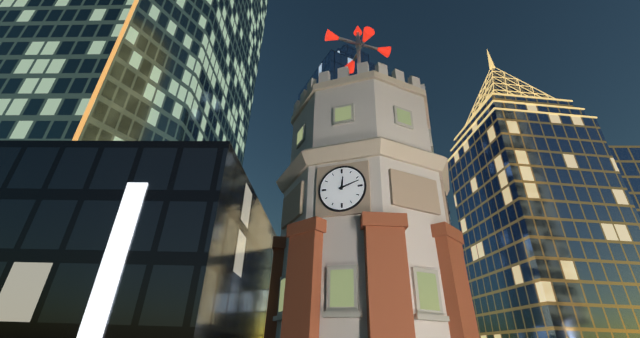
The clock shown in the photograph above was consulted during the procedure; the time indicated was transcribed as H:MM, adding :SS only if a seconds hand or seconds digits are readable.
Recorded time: 12:12
